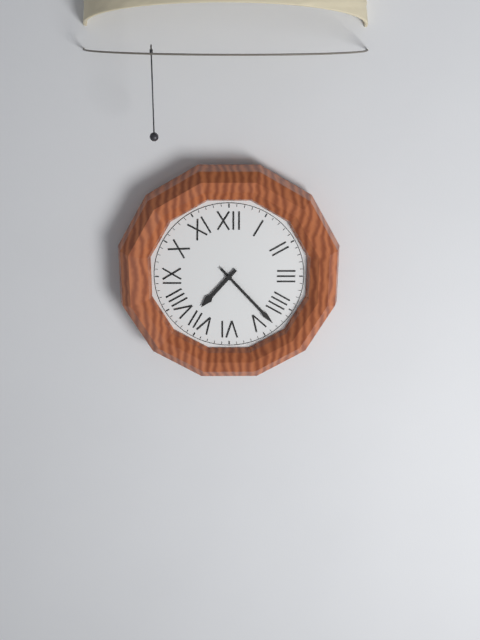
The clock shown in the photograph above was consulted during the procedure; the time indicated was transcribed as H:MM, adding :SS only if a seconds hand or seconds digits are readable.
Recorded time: 7:23
